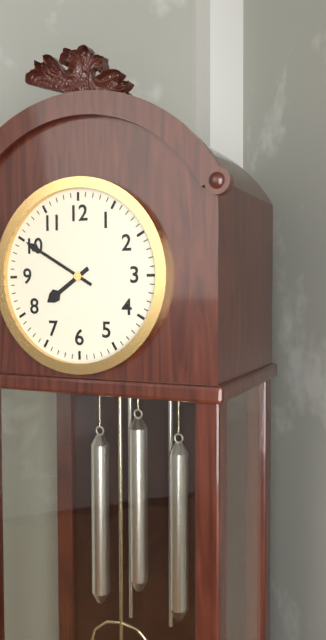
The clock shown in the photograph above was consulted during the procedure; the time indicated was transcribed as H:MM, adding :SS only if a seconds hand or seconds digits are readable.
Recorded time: 7:50
